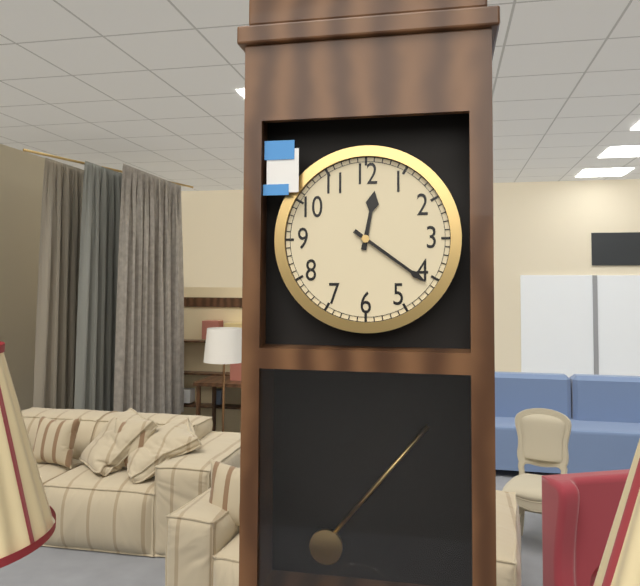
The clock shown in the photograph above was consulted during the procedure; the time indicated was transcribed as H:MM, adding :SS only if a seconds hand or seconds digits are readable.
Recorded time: 12:21
